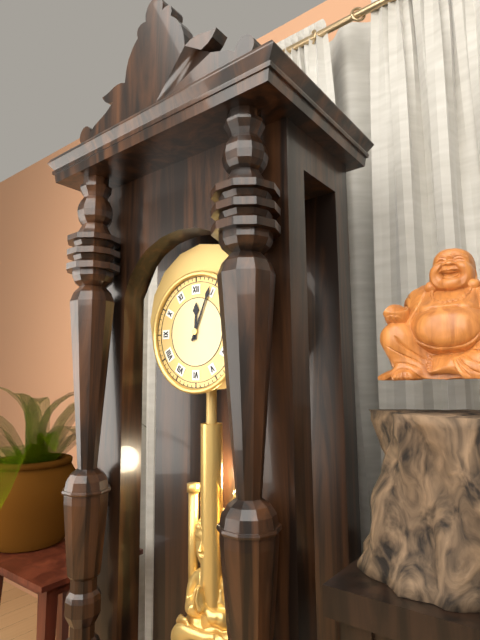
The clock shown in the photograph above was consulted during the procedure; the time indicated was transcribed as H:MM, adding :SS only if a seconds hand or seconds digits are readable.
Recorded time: 12:04
